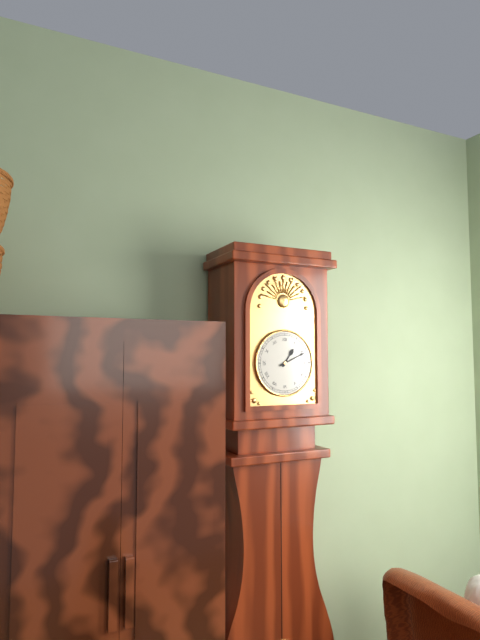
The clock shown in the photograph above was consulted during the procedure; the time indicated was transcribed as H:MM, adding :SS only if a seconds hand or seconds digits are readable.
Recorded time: 1:11
